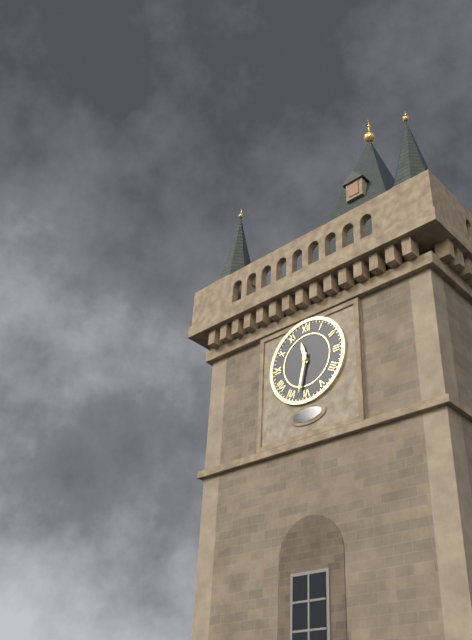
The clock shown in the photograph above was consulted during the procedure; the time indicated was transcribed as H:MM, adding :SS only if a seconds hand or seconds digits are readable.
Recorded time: 11:32
